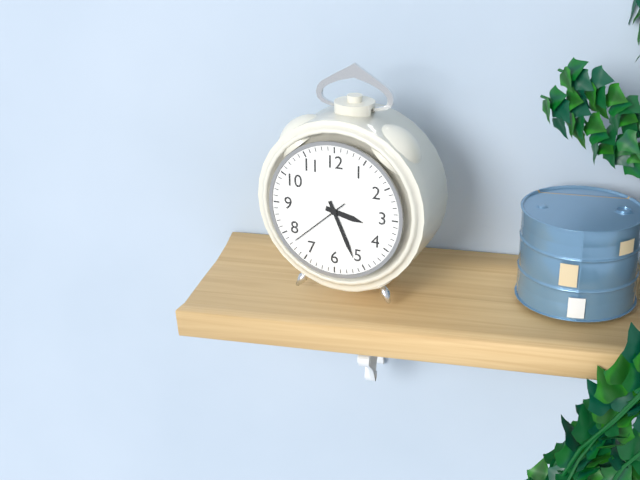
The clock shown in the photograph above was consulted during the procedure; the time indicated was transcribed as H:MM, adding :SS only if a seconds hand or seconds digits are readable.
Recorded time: 3:26:38
